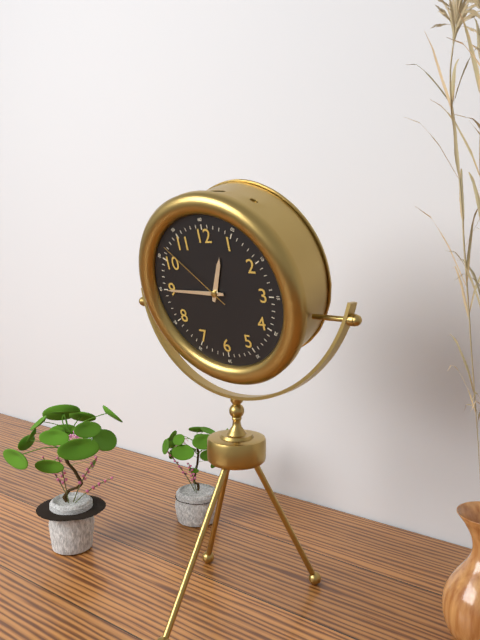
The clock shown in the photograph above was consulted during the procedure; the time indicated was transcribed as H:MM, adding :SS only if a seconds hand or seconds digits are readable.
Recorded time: 12:45:52
